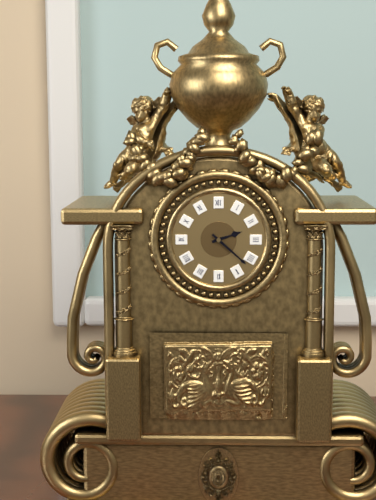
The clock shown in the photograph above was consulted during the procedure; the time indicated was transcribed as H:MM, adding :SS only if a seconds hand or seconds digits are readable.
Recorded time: 2:22
